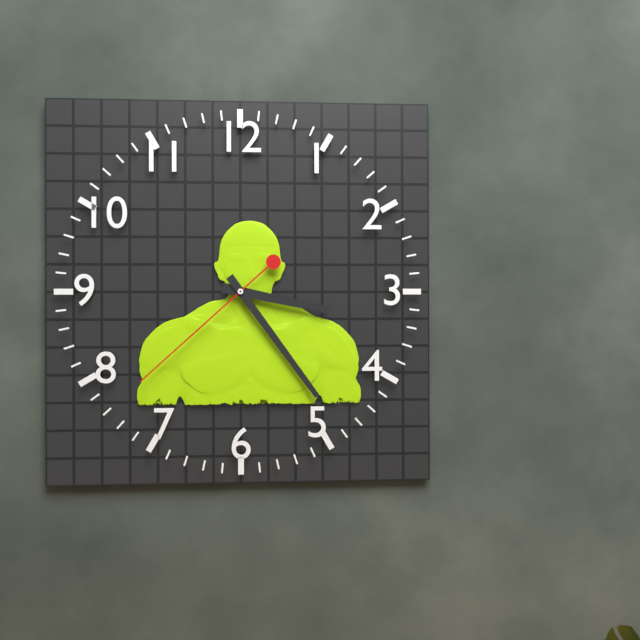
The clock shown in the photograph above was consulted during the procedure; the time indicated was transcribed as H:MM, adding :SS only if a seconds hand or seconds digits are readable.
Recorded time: 3:24:38
